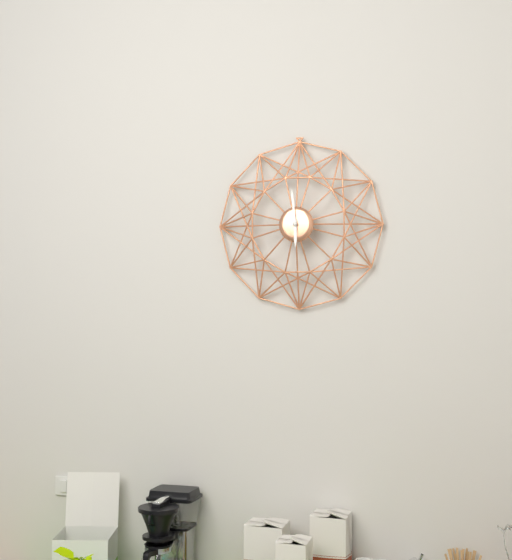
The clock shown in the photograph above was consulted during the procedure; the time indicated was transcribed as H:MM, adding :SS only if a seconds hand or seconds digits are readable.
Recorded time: 5:59
